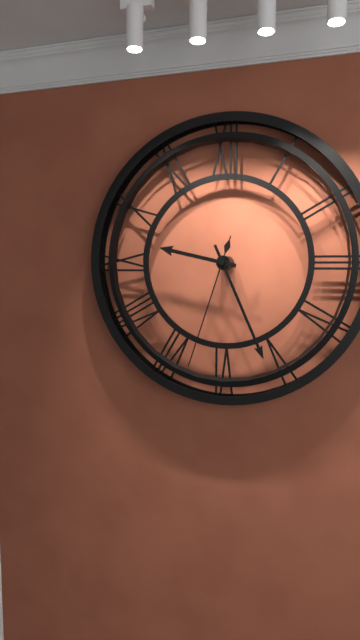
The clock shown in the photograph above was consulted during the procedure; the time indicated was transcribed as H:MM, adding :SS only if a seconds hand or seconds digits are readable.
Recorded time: 9:26:33
